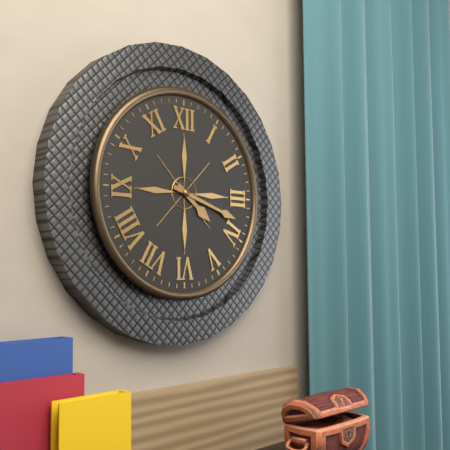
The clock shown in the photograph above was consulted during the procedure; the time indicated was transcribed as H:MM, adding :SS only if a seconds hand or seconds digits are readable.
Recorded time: 4:18
